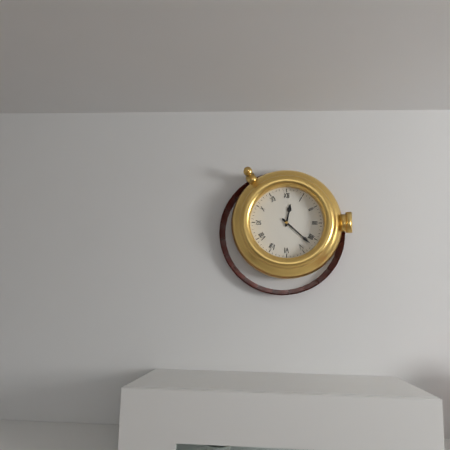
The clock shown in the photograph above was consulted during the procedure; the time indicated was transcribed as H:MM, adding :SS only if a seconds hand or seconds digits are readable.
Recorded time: 12:22
